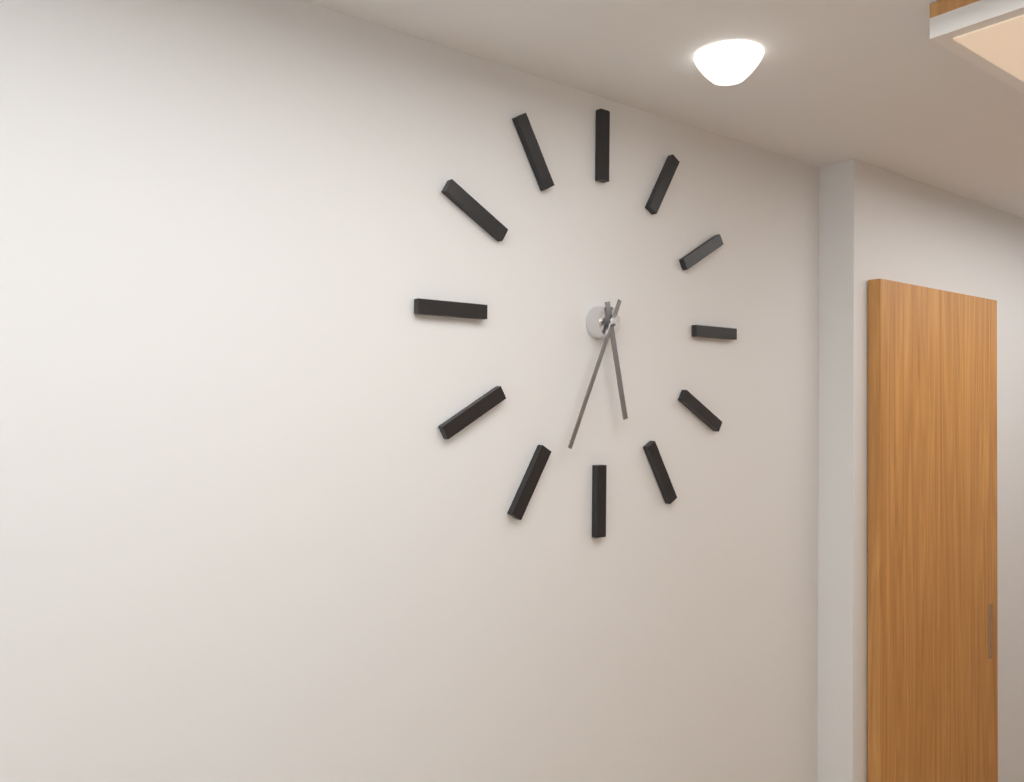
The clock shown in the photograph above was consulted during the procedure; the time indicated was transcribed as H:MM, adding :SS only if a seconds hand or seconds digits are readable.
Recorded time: 5:34
